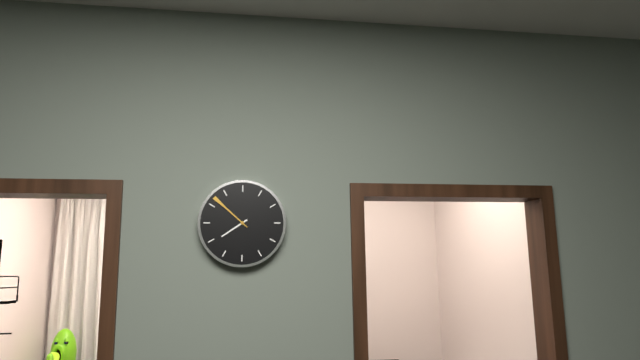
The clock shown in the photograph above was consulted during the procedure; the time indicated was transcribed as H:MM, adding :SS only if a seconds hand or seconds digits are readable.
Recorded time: 7:52
